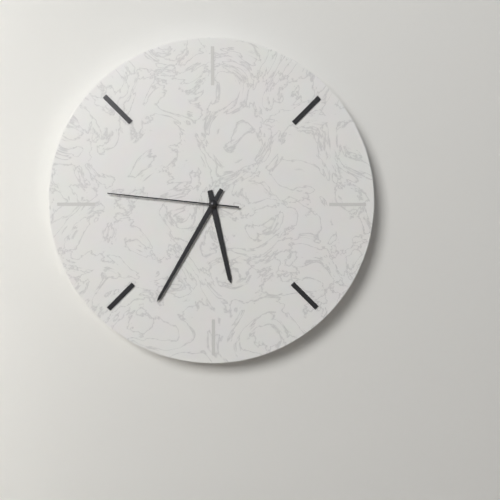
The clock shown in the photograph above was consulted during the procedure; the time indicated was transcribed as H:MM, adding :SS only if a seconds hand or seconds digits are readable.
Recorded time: 5:35:46
